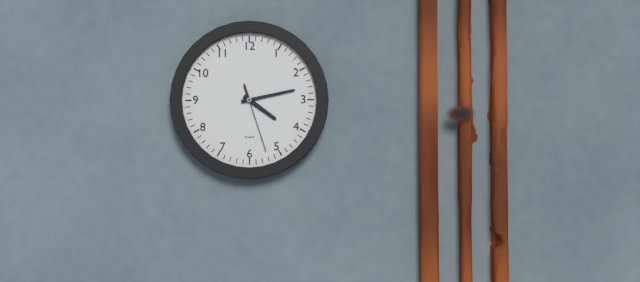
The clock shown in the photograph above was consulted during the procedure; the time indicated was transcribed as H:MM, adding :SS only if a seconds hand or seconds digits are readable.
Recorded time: 4:13:27
